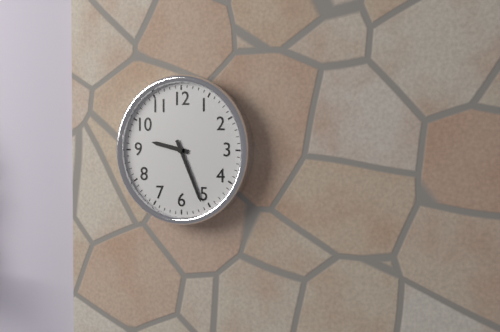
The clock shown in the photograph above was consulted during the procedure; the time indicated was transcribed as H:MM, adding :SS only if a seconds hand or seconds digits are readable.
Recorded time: 9:26
